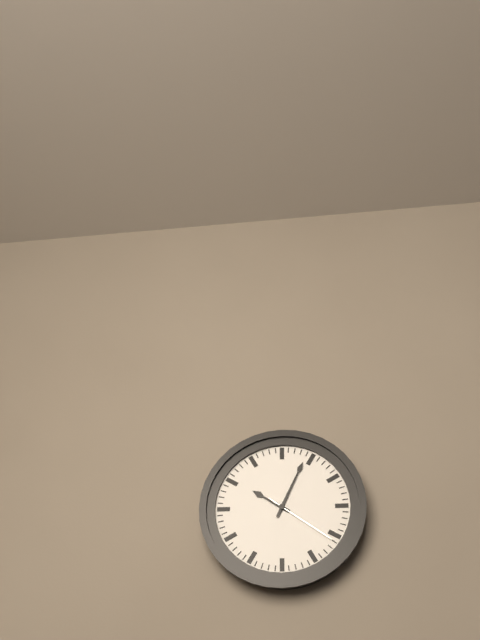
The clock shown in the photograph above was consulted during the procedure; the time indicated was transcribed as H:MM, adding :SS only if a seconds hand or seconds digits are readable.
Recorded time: 10:04:21
